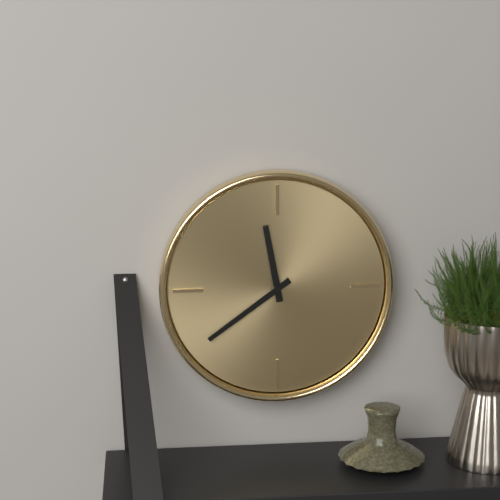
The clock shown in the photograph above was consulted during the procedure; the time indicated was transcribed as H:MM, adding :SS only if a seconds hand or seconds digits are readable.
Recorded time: 11:39
